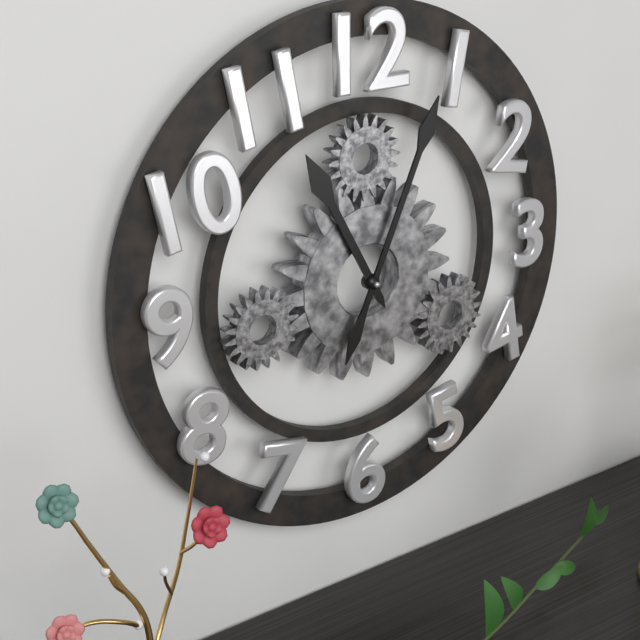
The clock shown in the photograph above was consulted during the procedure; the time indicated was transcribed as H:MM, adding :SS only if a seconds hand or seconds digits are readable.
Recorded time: 11:04
